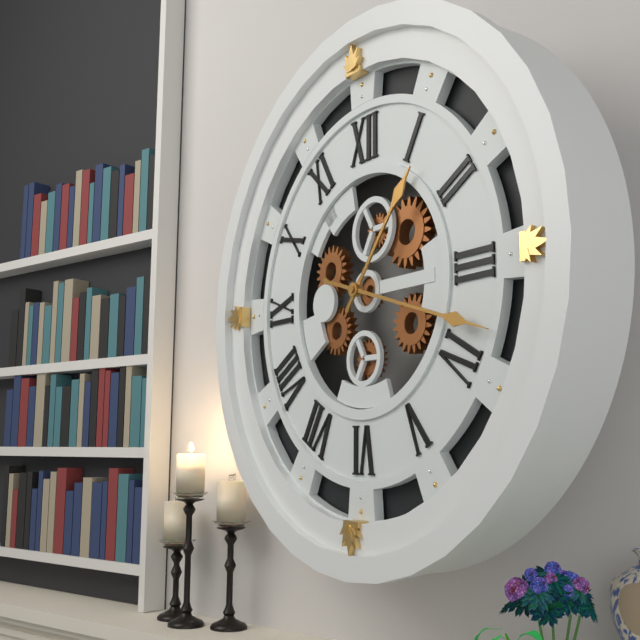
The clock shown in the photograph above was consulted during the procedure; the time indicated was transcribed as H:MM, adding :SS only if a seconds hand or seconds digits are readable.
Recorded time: 1:18
